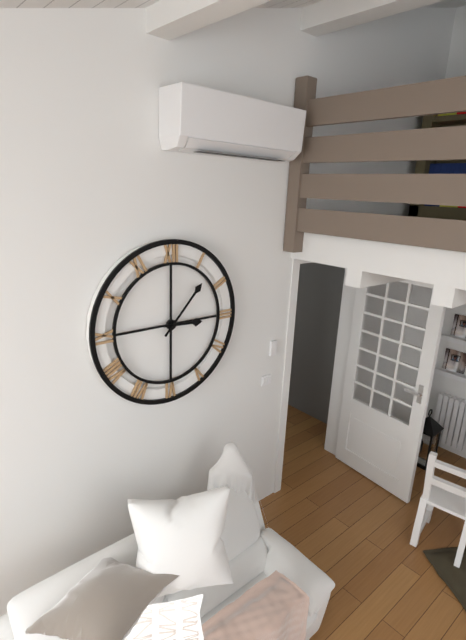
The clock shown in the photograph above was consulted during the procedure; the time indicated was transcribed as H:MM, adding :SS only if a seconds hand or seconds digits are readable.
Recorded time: 3:07
